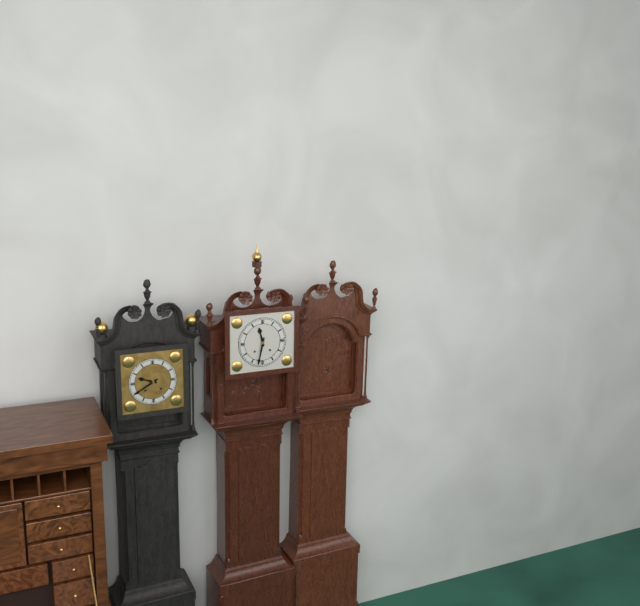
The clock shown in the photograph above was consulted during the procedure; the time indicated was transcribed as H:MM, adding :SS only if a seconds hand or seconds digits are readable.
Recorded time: 11:32
